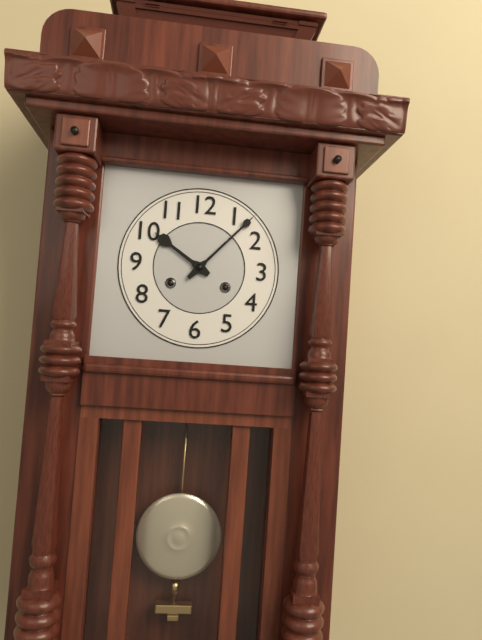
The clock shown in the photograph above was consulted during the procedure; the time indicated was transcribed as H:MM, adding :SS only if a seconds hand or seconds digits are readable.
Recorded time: 10:07
